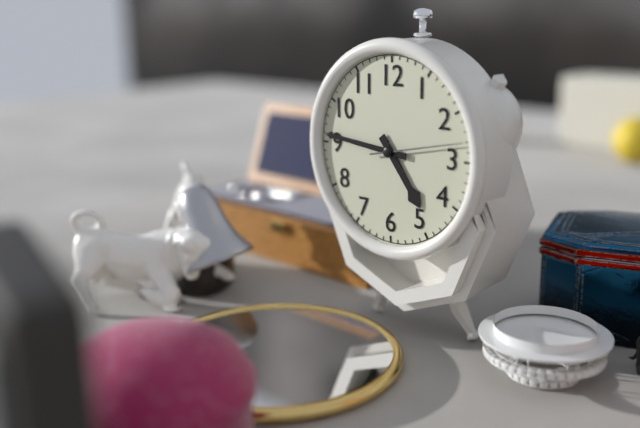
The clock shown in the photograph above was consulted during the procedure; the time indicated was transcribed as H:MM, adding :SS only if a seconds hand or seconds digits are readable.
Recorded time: 4:46:13
